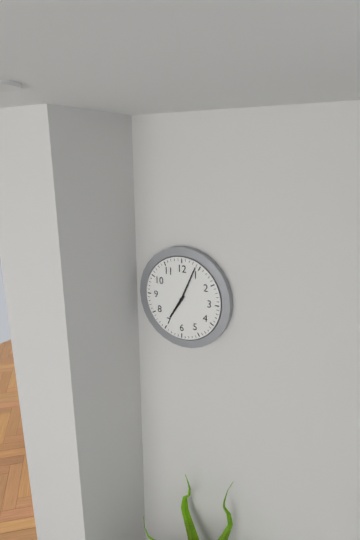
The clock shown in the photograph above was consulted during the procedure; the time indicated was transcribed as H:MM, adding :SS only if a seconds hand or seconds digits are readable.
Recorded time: 7:04
